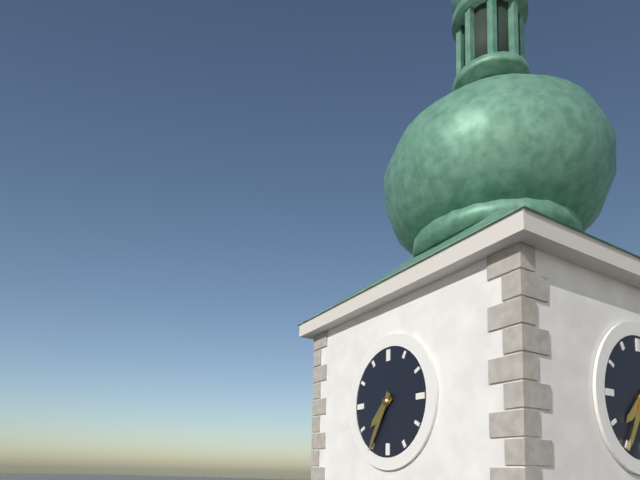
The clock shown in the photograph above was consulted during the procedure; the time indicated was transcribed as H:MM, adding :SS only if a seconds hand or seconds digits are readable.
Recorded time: 7:35
